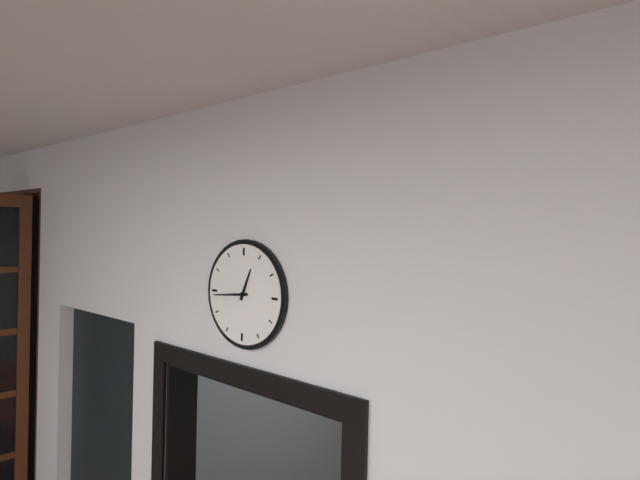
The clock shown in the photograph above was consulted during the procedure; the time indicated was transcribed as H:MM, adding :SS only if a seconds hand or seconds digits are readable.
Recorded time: 12:44
